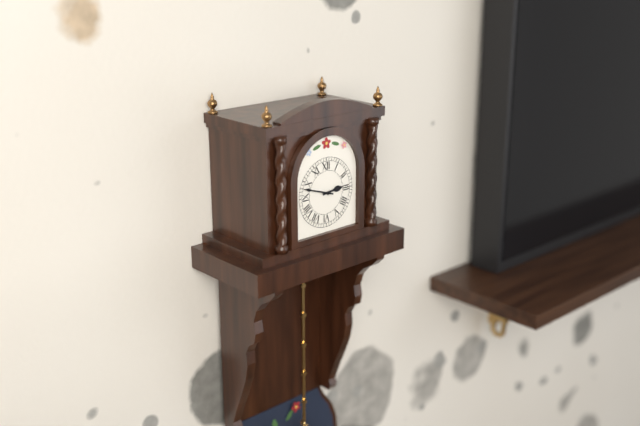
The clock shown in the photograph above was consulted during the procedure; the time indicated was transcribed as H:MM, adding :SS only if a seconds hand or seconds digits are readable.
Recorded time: 2:48
